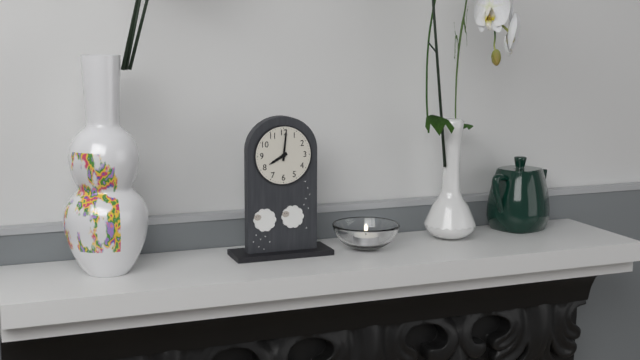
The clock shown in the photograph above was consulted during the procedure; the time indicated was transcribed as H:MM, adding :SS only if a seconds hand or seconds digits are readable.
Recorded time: 8:01
